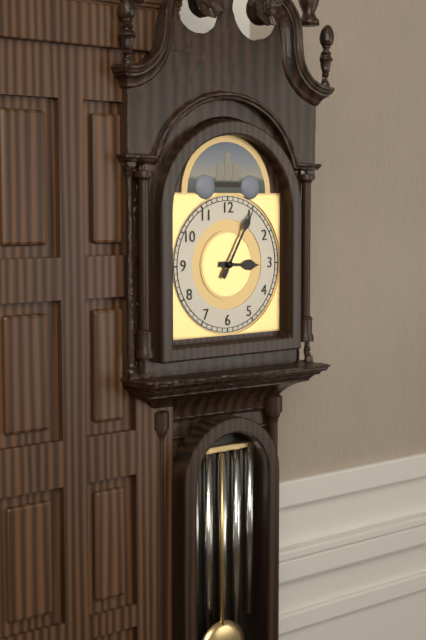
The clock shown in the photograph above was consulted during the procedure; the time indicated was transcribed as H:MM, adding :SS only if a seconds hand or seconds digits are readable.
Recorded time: 3:05
